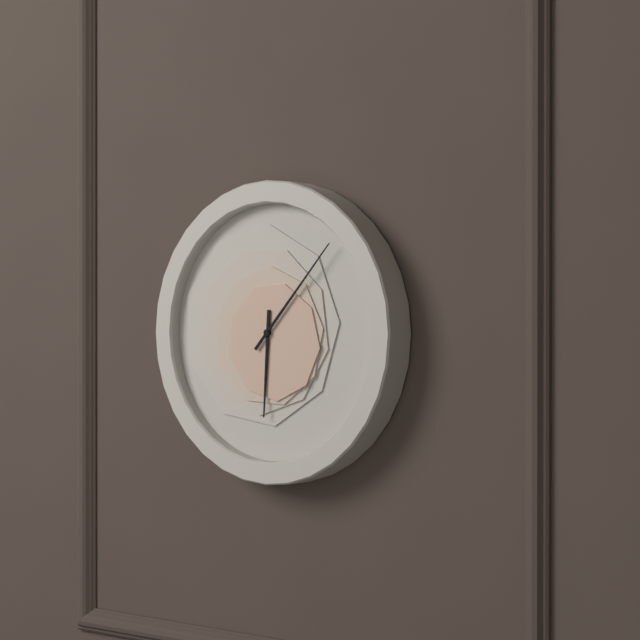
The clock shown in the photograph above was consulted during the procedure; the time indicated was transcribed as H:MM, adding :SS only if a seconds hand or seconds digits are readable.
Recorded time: 6:07
